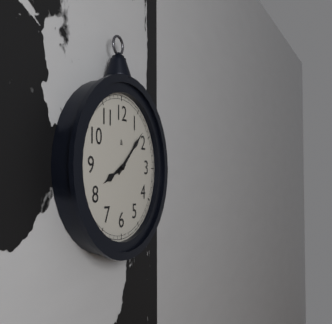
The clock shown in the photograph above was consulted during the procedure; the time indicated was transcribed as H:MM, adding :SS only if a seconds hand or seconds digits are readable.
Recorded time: 8:08
